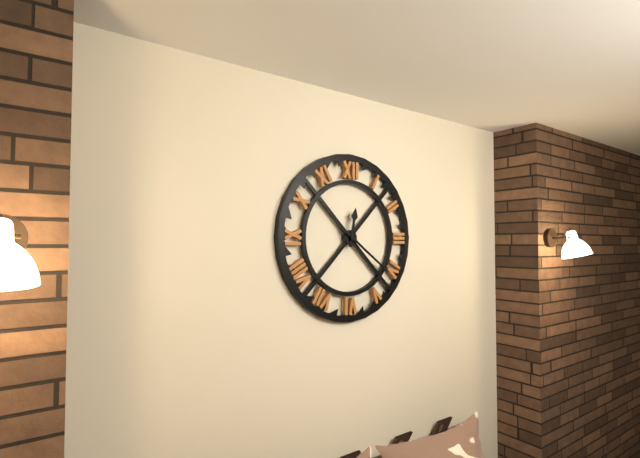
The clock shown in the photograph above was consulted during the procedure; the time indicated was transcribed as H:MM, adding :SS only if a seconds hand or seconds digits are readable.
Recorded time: 12:21
